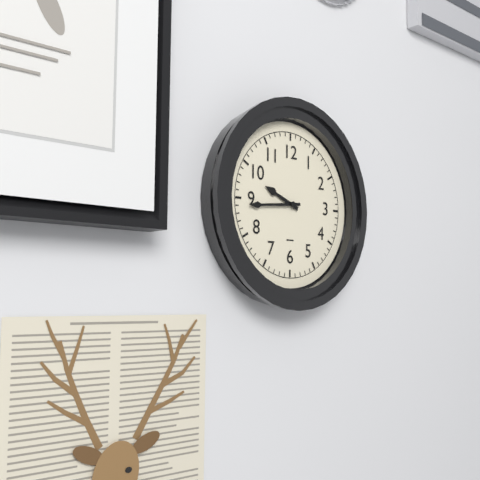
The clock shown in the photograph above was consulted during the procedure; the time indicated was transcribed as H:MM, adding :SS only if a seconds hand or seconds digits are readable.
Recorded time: 9:44
